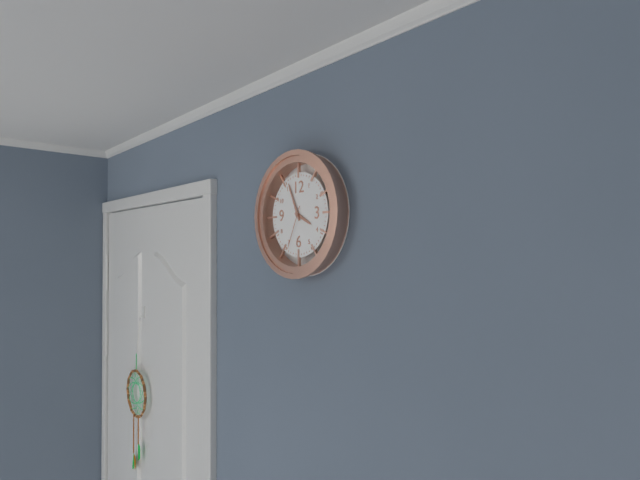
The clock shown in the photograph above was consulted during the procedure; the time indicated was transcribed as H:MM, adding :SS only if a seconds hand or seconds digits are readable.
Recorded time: 3:56
